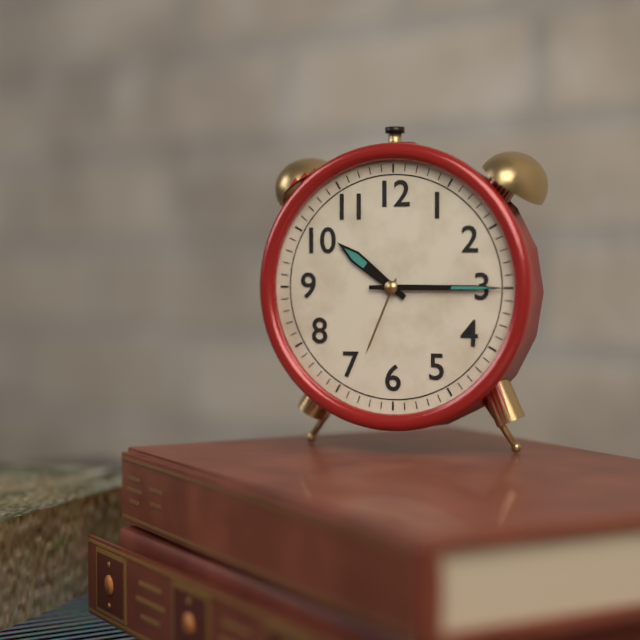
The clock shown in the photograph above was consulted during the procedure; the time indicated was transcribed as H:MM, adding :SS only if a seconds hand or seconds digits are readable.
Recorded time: 10:15
